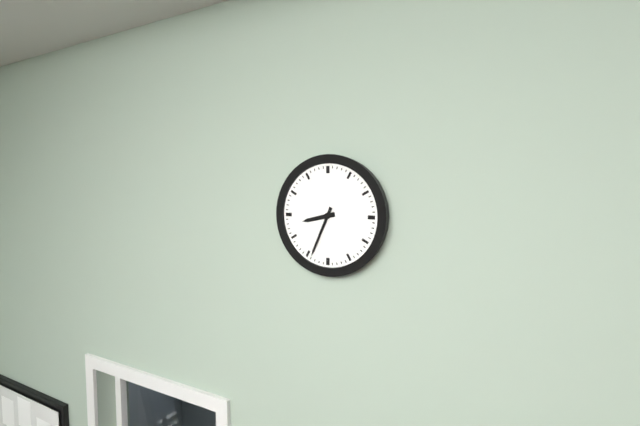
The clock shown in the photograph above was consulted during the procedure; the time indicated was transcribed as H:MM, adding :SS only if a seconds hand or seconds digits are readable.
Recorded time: 8:34
